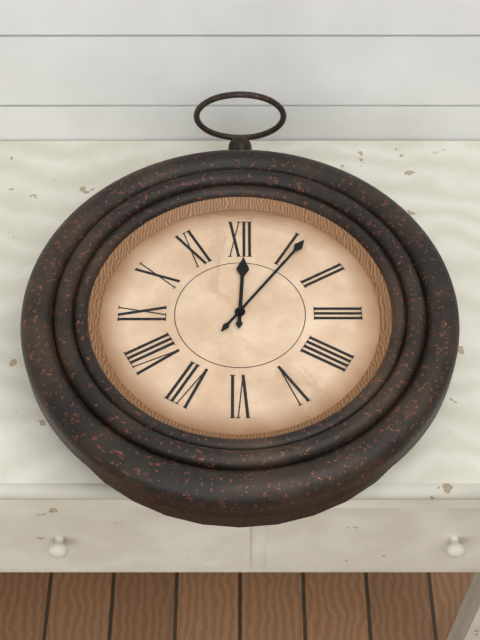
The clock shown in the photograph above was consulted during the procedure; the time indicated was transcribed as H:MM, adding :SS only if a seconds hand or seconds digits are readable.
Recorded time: 12:06
